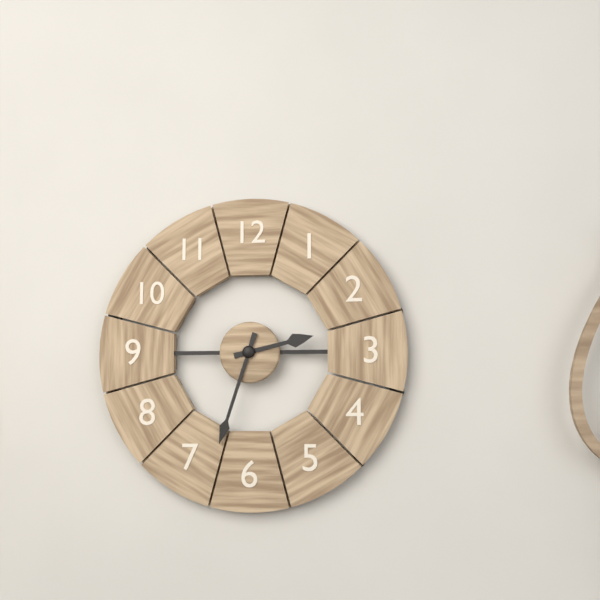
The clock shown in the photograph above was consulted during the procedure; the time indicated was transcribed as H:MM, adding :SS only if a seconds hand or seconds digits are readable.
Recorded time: 2:33
